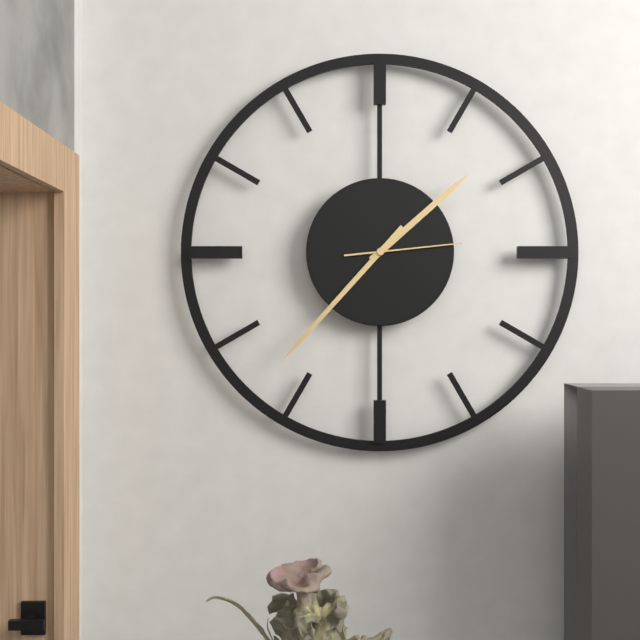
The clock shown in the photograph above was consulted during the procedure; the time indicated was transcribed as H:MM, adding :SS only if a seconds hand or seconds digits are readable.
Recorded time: 1:37:14
